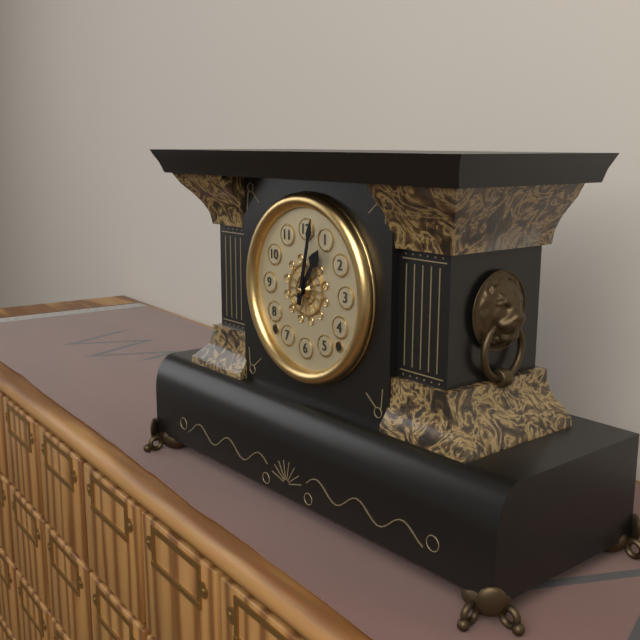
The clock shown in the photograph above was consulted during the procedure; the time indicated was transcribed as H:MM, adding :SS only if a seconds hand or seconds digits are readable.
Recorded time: 1:02
